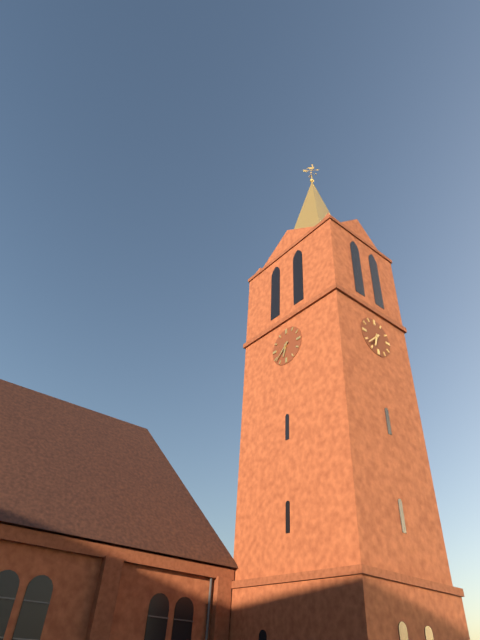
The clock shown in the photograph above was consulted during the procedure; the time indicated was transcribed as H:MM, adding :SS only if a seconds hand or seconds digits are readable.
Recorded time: 6:38
